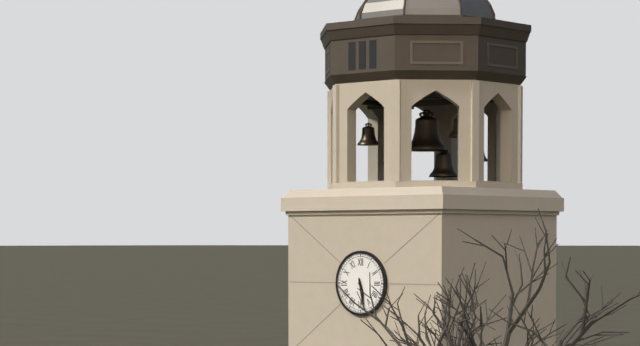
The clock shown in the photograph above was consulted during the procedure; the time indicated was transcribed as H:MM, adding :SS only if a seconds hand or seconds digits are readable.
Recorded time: 5:28
